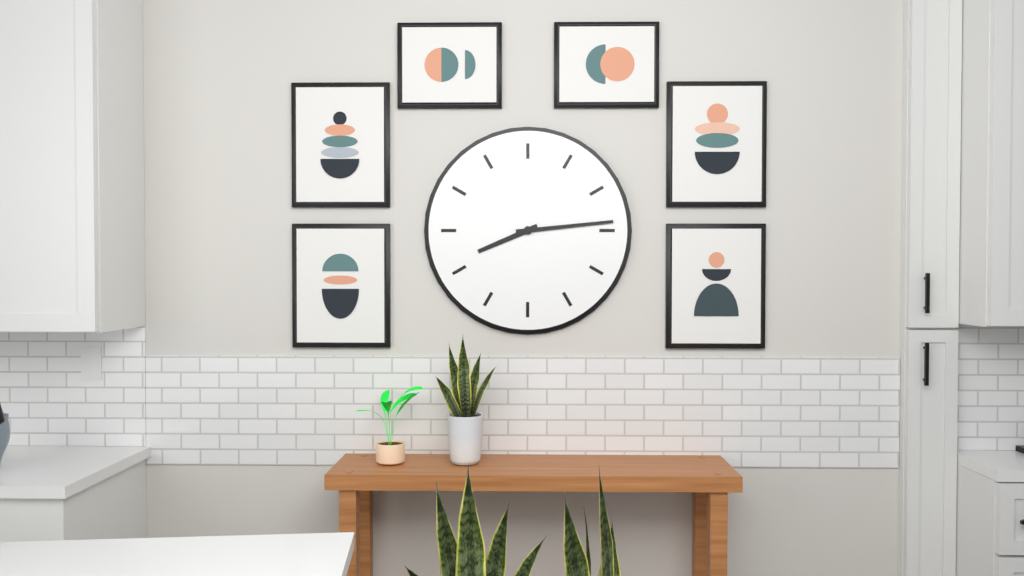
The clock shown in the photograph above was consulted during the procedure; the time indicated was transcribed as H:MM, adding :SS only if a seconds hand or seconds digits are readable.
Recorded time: 8:14
